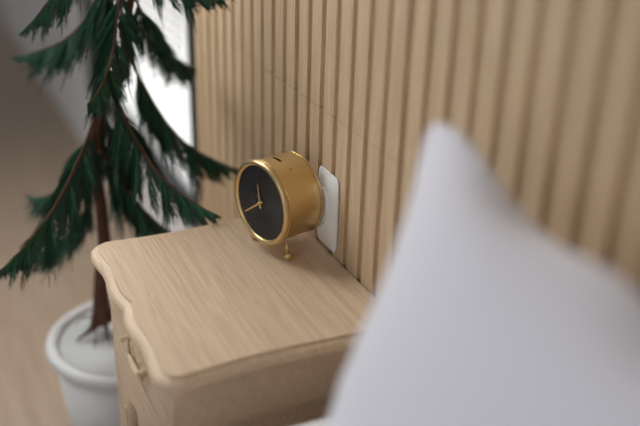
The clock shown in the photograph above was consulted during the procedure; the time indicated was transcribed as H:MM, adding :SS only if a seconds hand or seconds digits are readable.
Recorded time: 11:39
